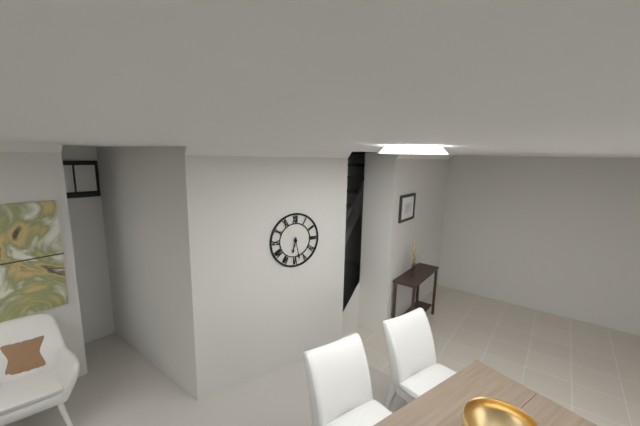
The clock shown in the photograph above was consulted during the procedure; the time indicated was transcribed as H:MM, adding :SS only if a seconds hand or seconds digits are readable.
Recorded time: 6:28
